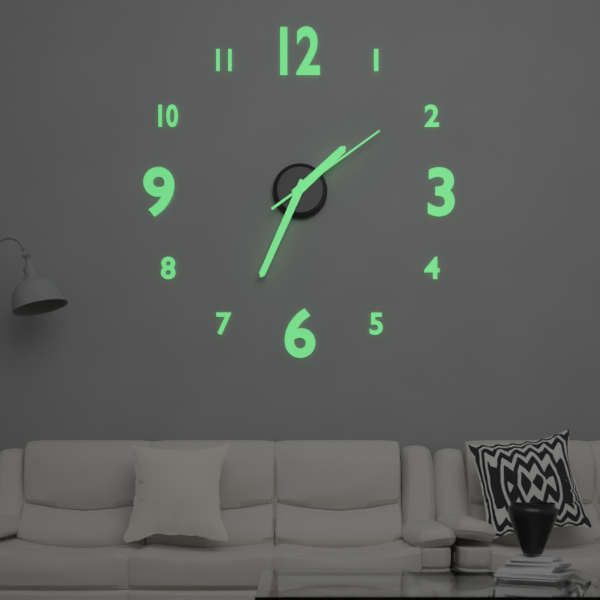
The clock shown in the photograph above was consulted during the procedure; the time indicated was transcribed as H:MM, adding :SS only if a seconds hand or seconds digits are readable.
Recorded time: 1:34:09
